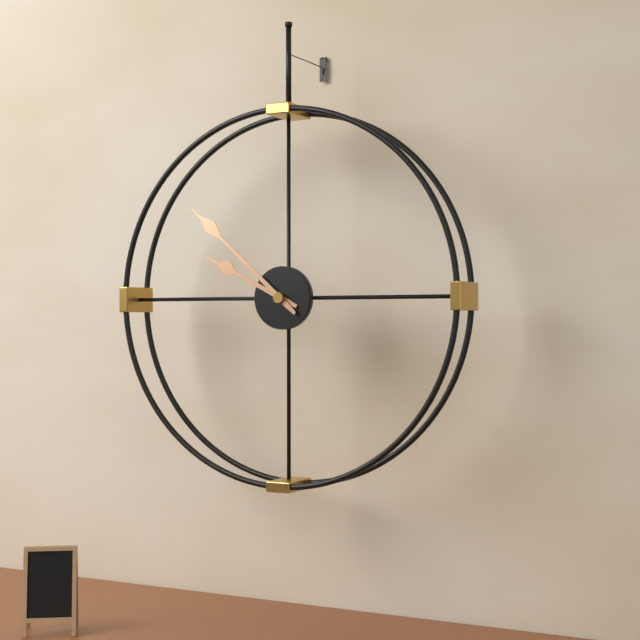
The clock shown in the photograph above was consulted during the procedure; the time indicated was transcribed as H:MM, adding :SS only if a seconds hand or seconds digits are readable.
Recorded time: 9:52
